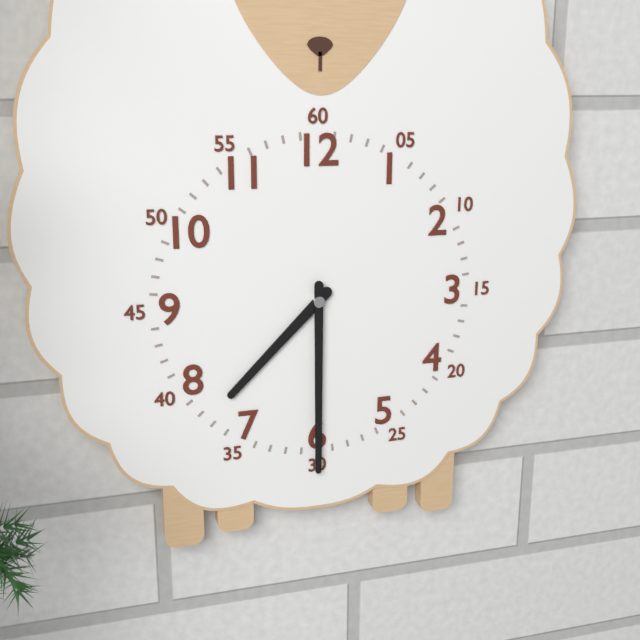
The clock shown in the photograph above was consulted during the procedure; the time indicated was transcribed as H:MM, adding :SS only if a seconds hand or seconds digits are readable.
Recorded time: 7:30
